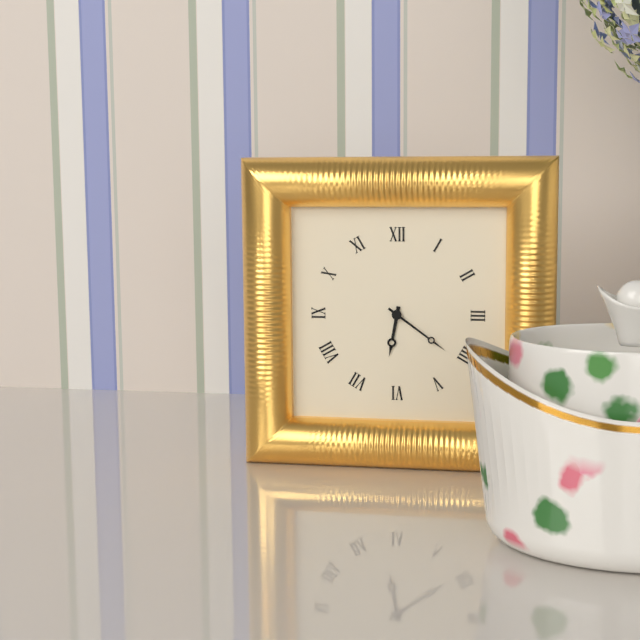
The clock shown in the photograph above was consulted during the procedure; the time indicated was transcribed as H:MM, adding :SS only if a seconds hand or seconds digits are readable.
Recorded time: 6:21
